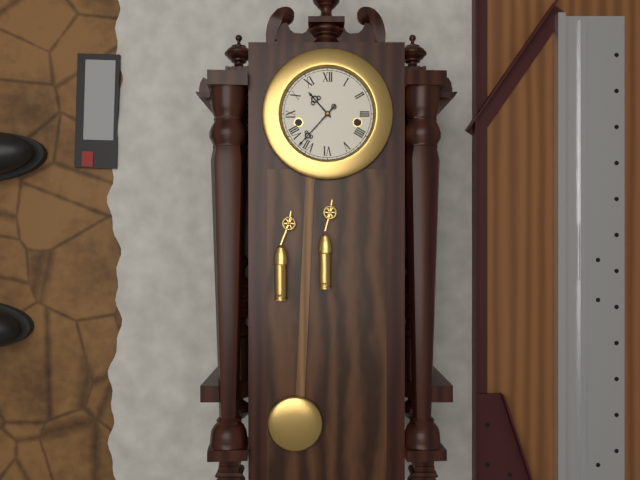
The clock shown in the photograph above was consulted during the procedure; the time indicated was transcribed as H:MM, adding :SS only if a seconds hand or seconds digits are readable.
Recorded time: 10:37
